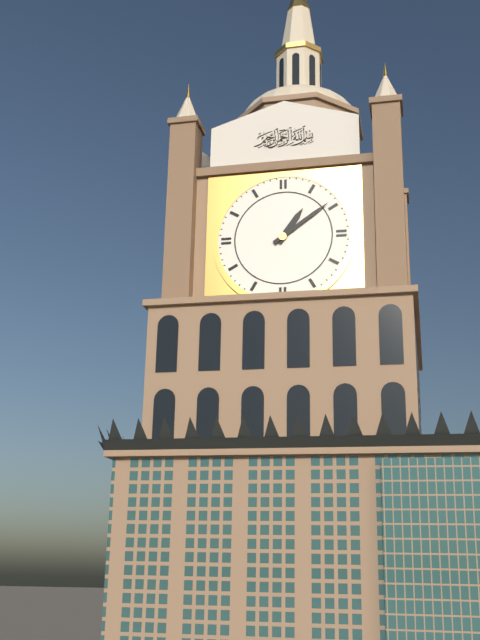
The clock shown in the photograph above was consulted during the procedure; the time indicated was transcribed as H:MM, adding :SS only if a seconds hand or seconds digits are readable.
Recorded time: 1:09
